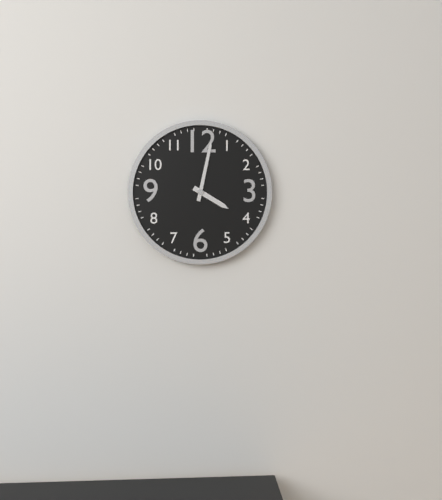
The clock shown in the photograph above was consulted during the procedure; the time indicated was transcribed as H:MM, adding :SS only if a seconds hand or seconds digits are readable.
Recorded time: 4:02
